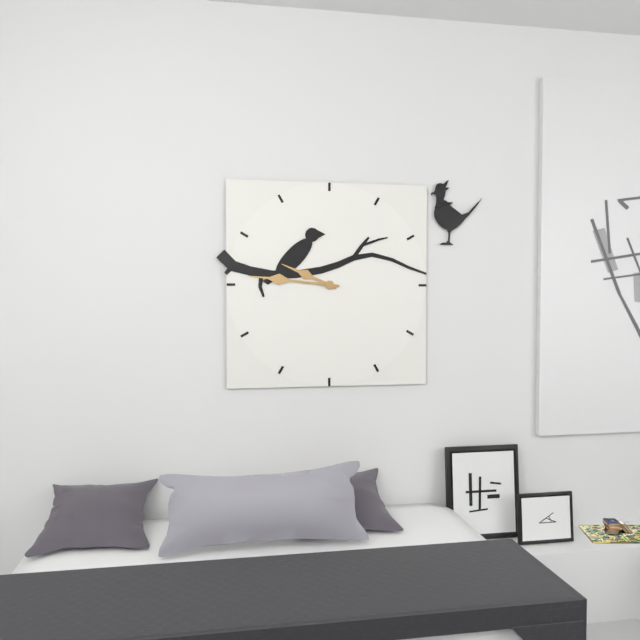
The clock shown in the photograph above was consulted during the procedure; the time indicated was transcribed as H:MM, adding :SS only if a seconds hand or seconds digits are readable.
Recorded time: 9:46
